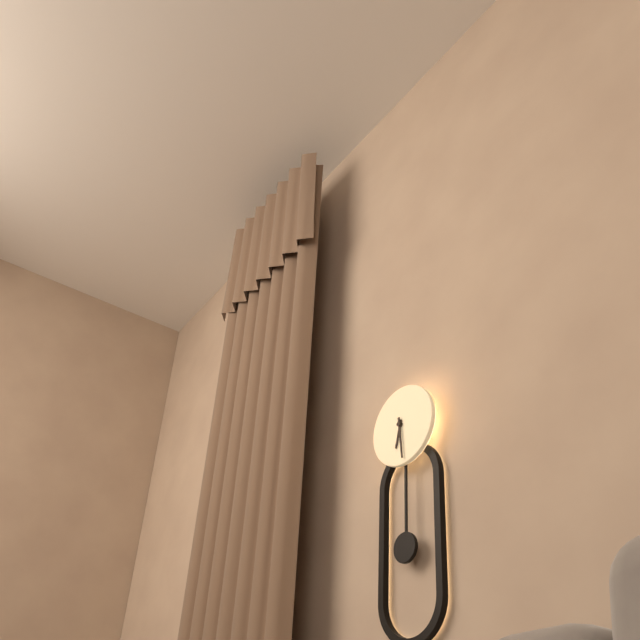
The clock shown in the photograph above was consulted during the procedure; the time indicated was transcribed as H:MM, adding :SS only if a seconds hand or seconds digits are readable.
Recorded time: 6:29
